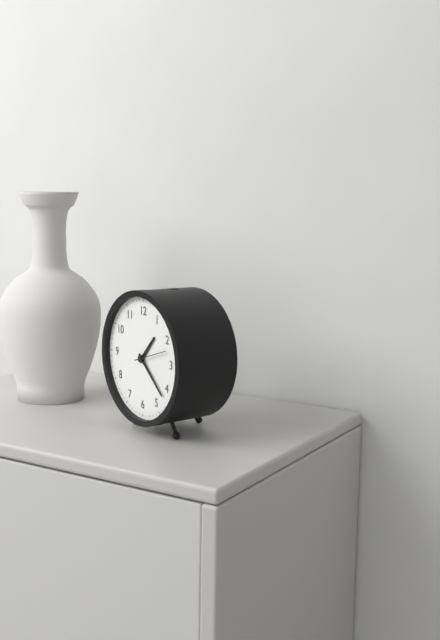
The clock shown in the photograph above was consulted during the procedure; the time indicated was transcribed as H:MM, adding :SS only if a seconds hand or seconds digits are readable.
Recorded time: 1:22
